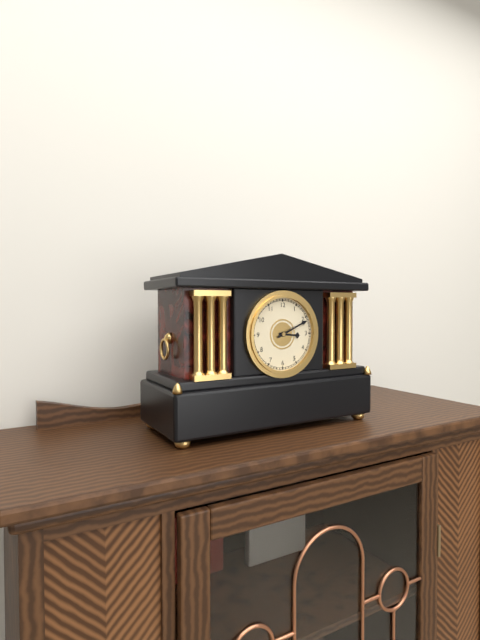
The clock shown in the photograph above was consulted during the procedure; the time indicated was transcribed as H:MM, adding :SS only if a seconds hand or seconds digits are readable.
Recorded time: 3:11
